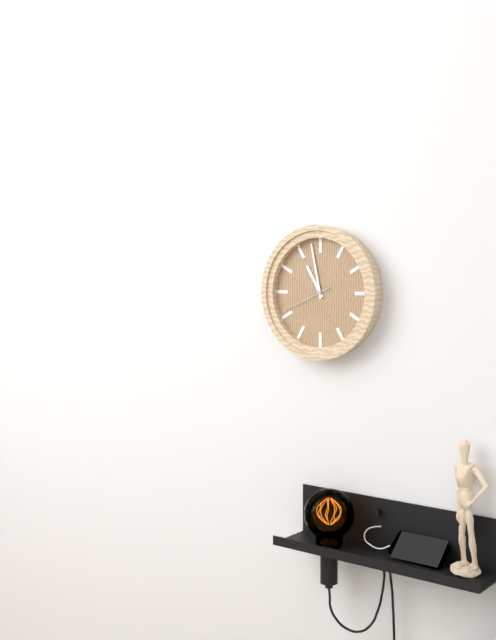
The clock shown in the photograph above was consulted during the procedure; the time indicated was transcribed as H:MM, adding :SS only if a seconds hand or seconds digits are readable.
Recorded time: 10:58:41
